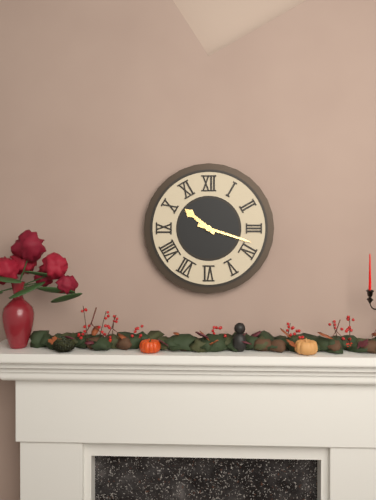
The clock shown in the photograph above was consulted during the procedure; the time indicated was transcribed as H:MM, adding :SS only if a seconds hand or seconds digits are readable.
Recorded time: 10:18
